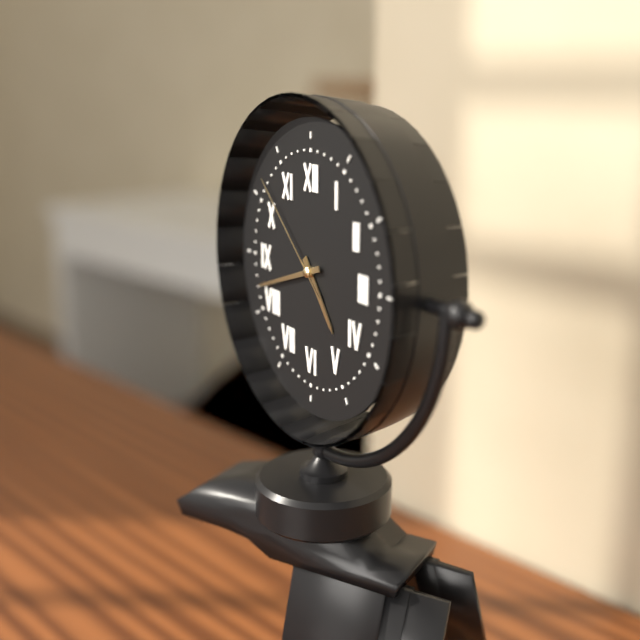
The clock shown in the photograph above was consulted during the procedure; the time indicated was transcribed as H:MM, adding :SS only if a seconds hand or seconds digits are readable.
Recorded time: 4:42:52
